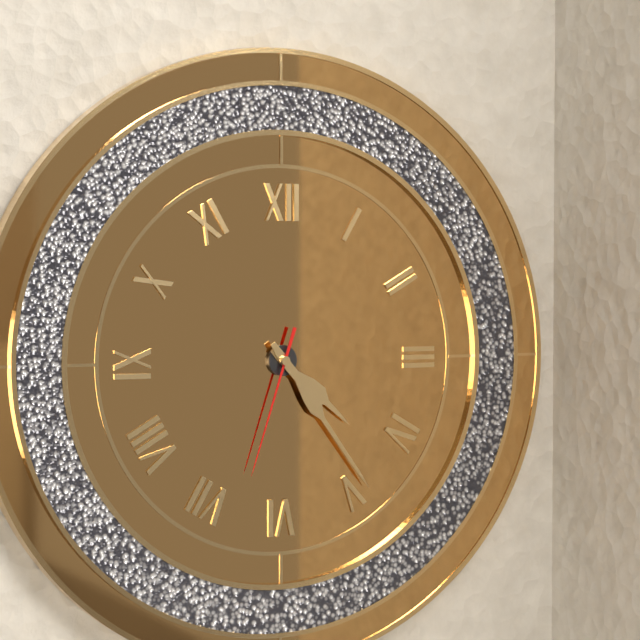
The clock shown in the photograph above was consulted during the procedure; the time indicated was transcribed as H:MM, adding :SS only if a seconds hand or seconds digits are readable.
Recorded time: 4:24:33
